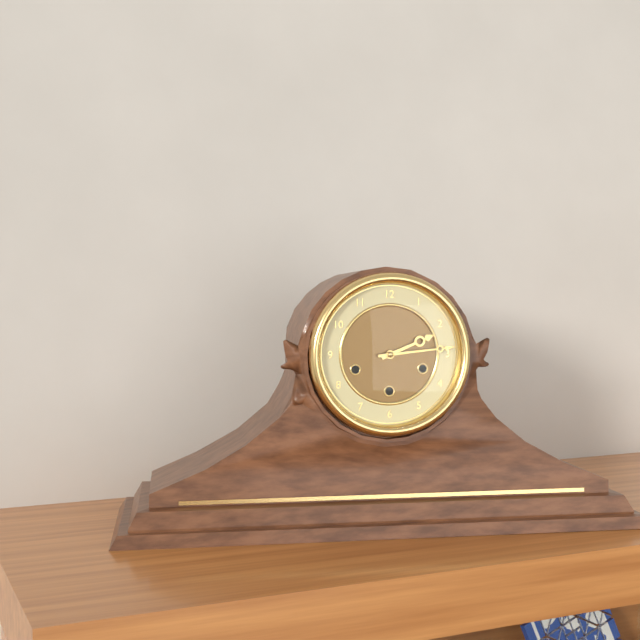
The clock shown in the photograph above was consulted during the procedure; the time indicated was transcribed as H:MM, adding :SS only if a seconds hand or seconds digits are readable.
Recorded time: 2:14
